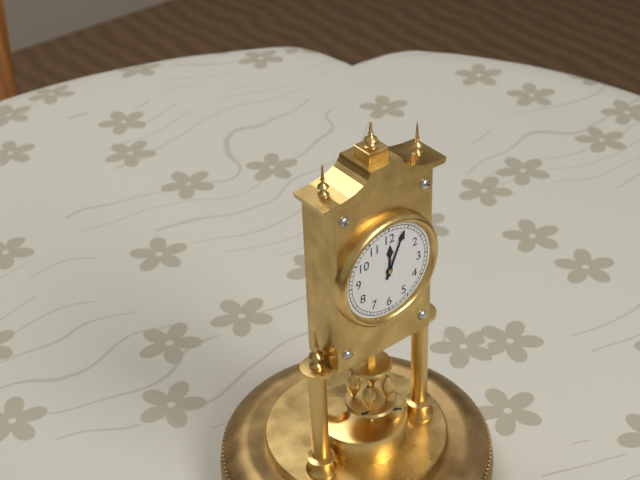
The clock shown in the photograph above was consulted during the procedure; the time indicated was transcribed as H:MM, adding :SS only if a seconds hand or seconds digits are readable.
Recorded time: 12:04
